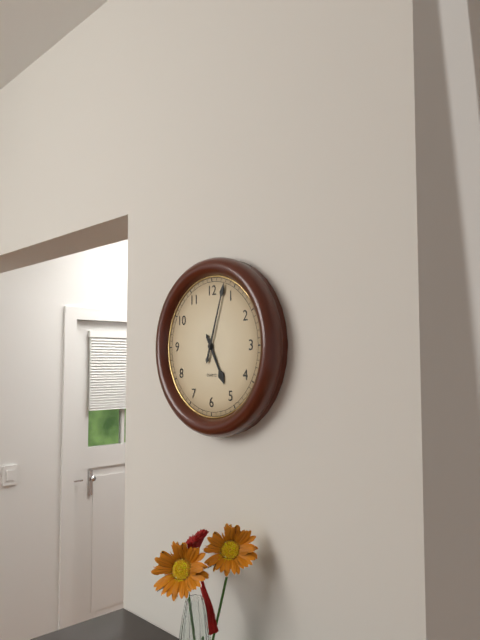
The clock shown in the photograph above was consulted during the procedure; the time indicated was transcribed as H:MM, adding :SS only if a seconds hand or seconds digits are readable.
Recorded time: 5:03
